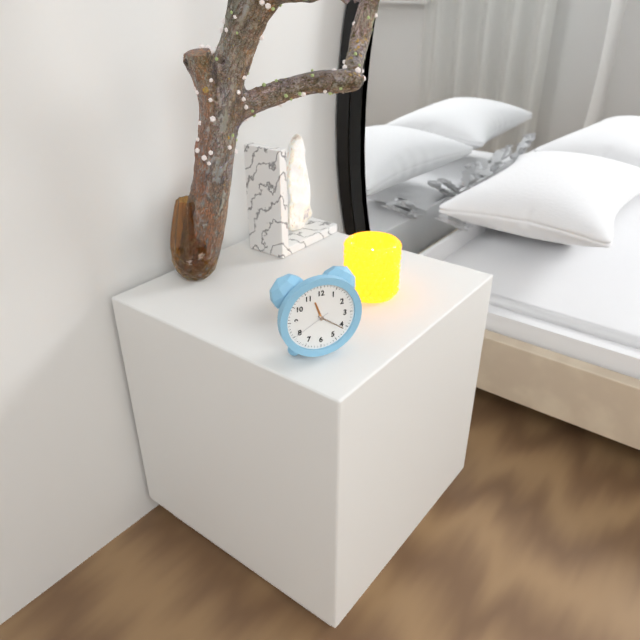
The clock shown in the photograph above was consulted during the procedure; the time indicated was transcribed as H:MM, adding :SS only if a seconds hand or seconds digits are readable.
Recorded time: 11:21
